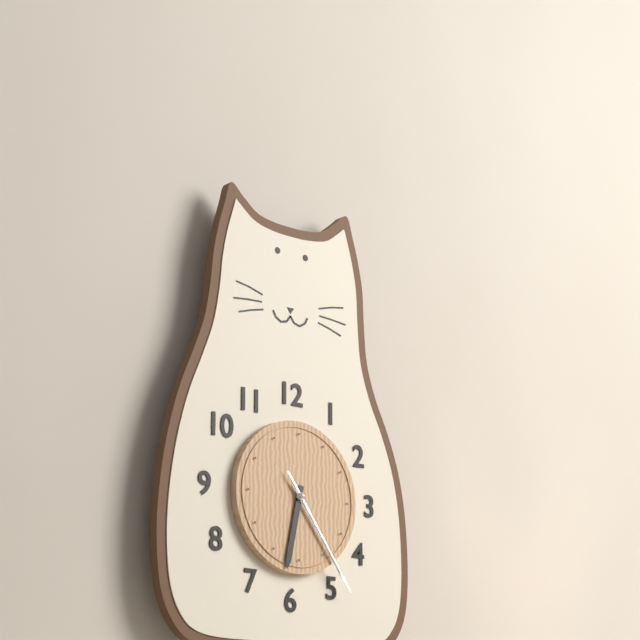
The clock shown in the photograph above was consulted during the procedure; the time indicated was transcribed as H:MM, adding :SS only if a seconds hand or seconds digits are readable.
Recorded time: 6:24:24
